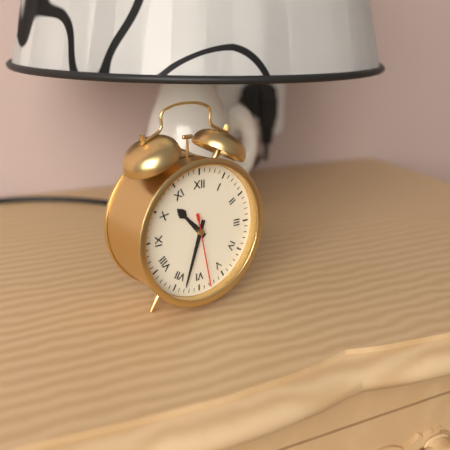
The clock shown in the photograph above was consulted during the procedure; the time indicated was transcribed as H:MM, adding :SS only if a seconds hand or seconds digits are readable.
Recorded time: 10:33:28
